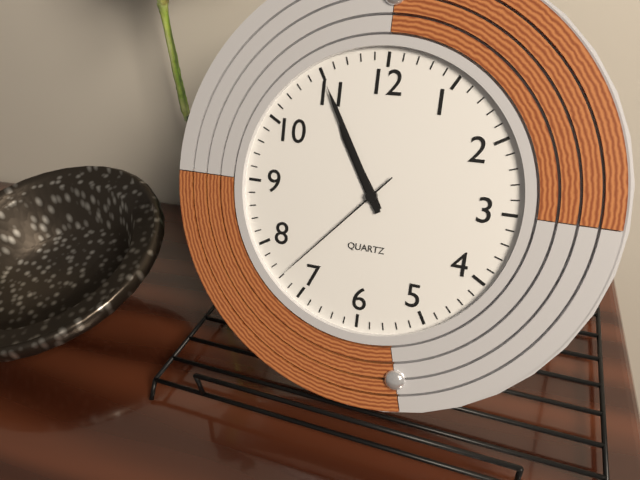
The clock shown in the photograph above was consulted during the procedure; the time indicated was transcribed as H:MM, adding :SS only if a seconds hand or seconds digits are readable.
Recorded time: 10:55:37
